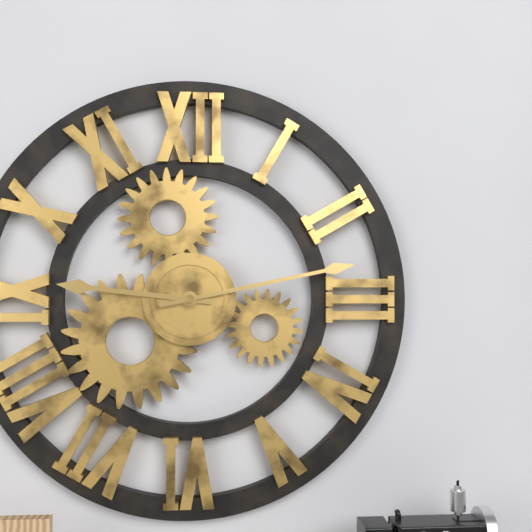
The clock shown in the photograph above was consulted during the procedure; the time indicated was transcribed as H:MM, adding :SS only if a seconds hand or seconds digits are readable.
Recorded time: 9:13
